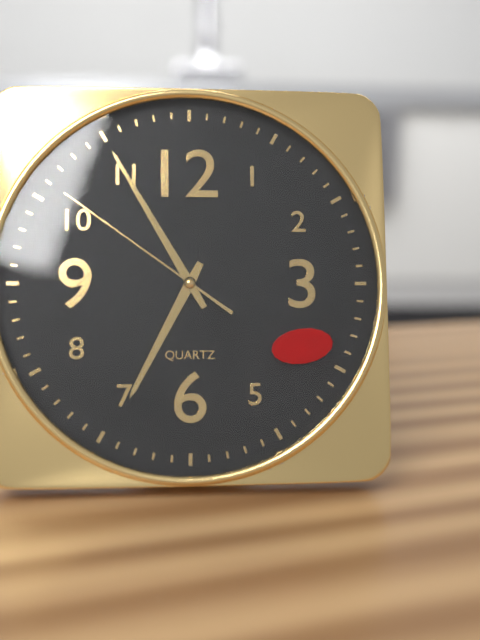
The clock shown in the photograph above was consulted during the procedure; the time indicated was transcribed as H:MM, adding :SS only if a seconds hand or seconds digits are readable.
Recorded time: 6:55:51
